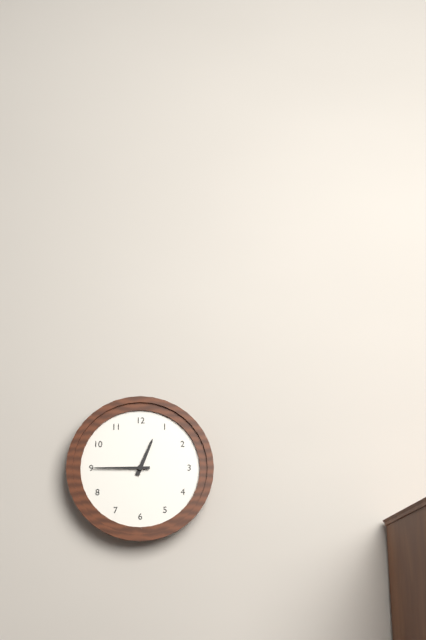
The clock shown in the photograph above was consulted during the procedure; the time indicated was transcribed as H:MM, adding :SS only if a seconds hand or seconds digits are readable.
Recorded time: 12:45
